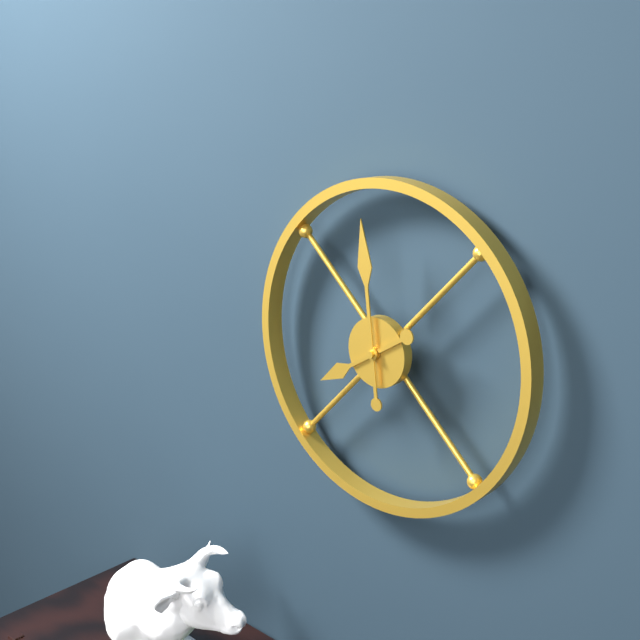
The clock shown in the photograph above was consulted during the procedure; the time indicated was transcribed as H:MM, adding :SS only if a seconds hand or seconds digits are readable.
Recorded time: 7:59
